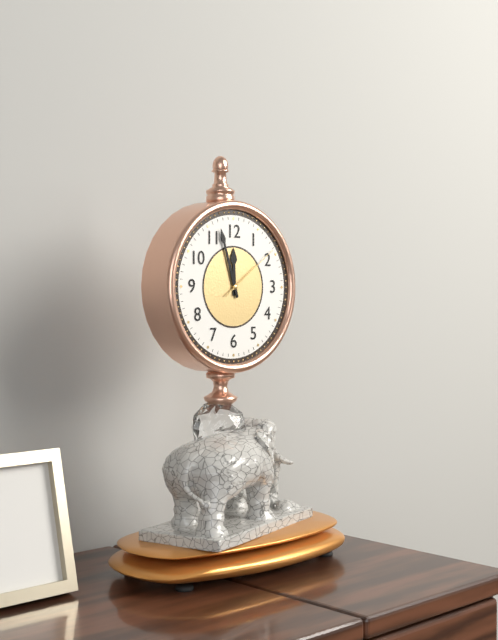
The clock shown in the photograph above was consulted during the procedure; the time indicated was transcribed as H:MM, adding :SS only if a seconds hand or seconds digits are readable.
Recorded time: 11:57:09
